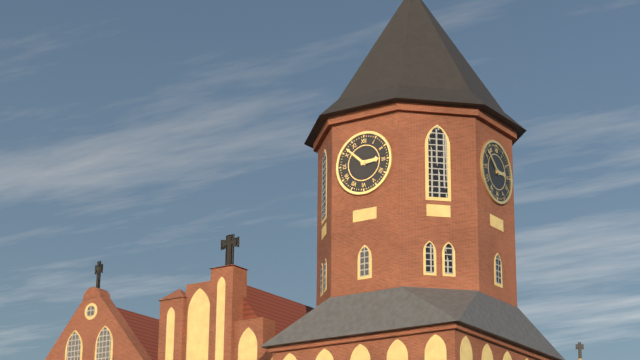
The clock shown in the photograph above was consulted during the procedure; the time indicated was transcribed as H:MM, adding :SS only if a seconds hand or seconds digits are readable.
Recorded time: 2:52
